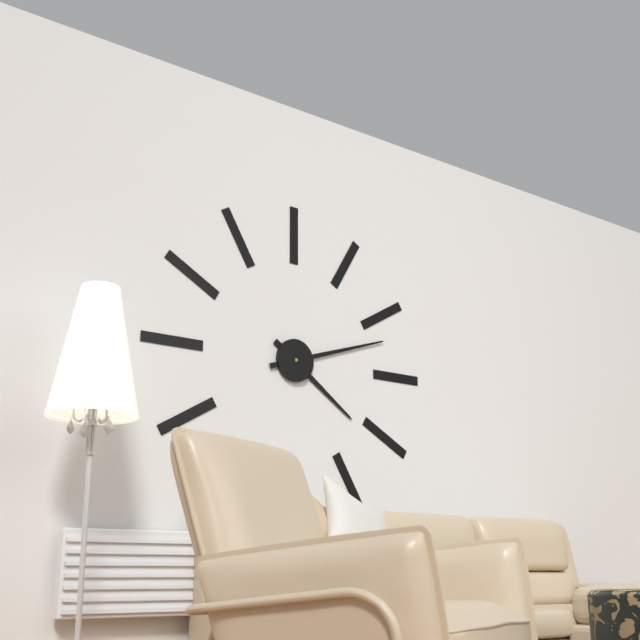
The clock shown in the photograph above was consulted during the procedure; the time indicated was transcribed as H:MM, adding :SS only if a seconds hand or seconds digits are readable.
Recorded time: 4:12
